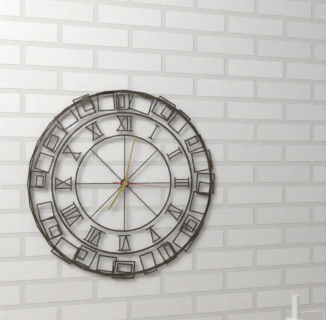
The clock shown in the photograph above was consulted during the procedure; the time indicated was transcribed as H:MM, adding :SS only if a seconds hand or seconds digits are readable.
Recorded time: 7:02:16
